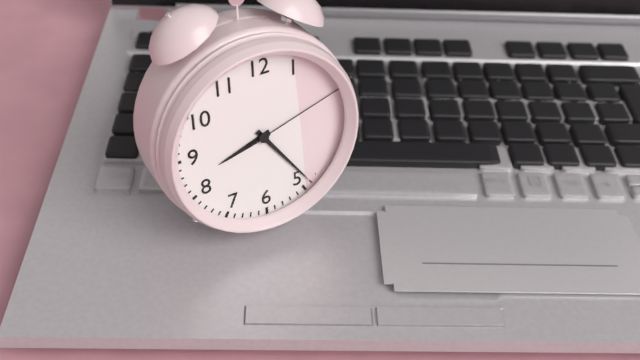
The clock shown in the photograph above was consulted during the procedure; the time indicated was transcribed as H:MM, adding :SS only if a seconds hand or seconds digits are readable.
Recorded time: 8:24:12
